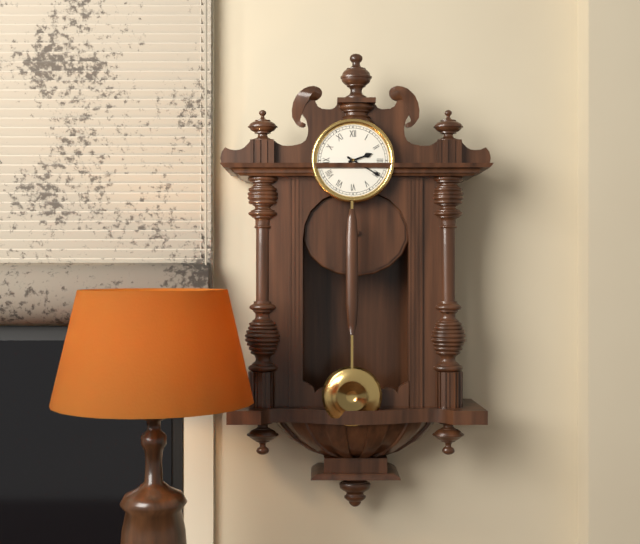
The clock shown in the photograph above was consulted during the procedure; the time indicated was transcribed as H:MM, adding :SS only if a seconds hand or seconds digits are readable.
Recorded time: 2:20
